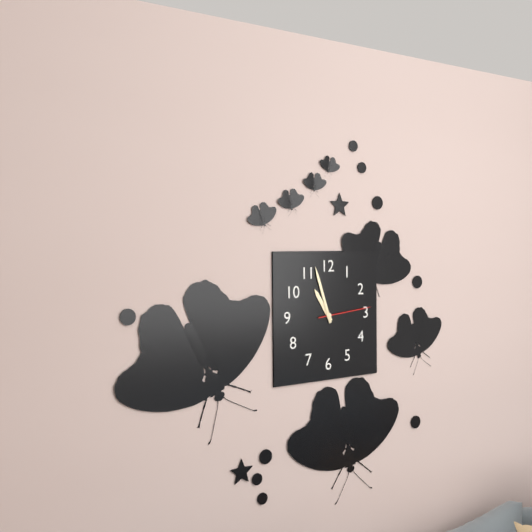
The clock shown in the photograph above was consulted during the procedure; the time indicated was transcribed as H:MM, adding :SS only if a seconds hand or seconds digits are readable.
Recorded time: 10:57:14
